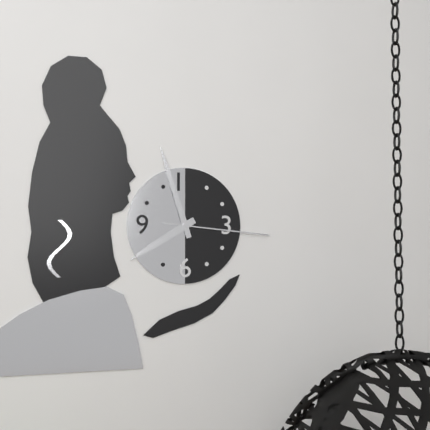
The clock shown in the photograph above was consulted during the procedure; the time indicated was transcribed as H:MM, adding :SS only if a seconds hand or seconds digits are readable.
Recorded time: 7:57:16
